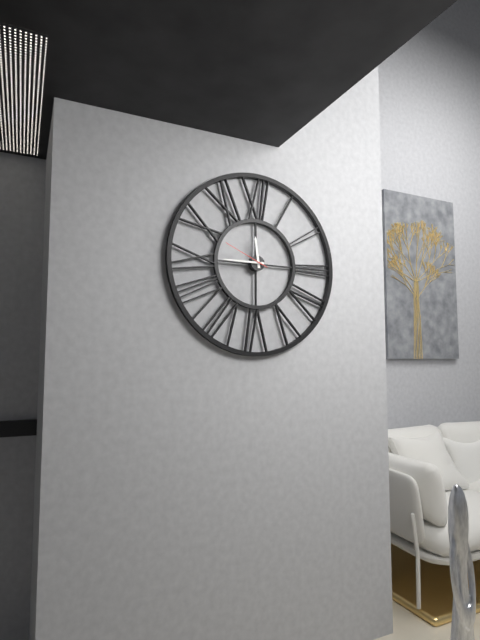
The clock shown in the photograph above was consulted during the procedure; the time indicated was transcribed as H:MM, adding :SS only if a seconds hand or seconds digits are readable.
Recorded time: 11:45
